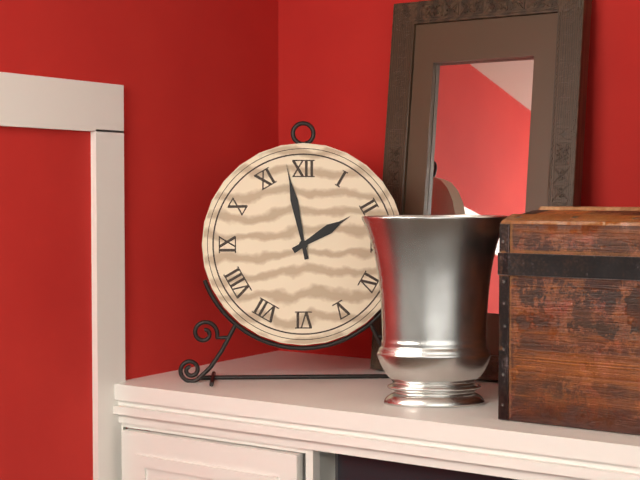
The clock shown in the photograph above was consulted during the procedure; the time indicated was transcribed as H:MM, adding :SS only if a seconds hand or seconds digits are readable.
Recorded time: 1:58
